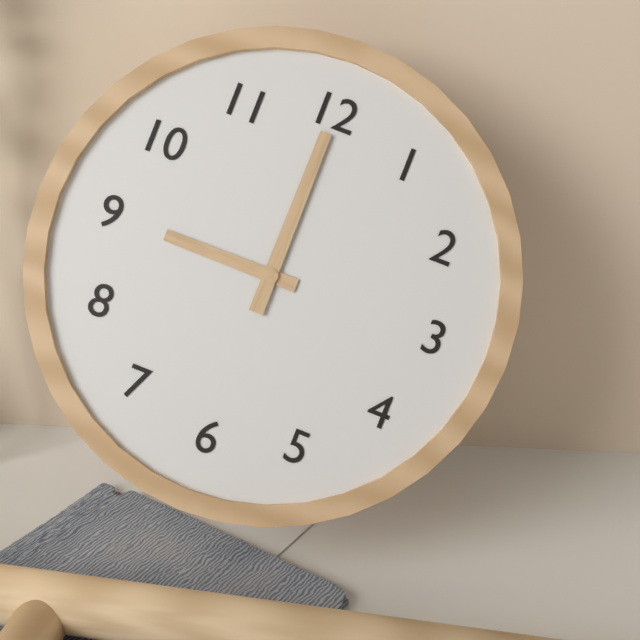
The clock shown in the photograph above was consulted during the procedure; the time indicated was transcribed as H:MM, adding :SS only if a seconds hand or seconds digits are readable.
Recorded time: 9:00
